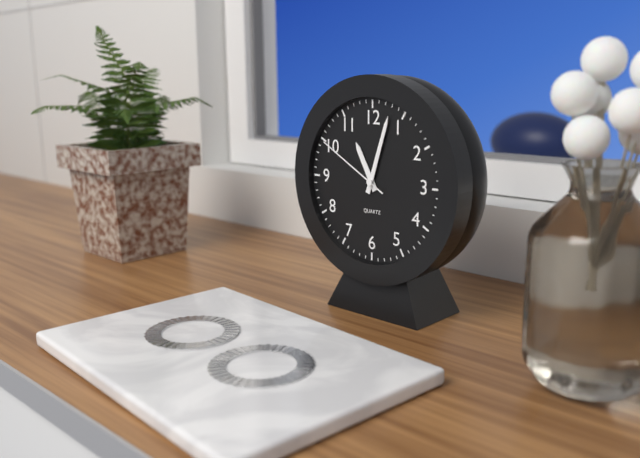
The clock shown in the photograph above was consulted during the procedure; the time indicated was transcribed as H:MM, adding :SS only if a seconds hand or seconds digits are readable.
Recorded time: 11:03:50
